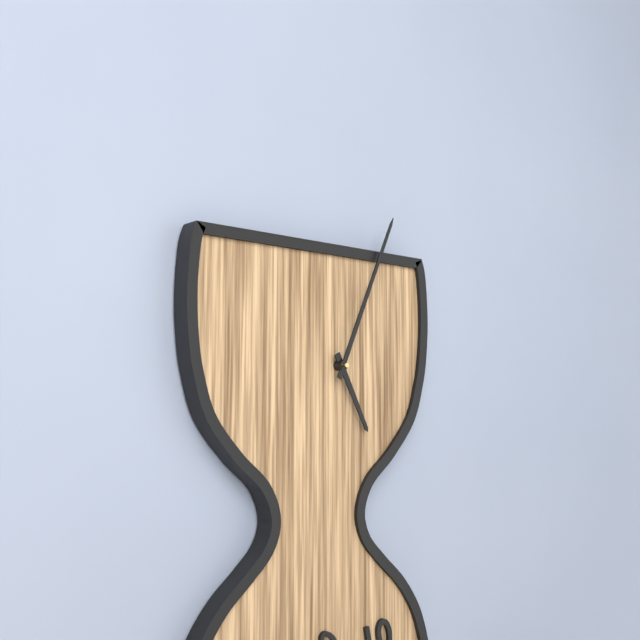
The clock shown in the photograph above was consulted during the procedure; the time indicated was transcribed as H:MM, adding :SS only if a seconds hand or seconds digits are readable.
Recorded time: 5:04
